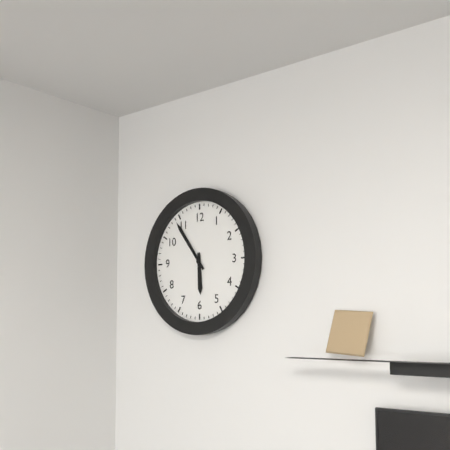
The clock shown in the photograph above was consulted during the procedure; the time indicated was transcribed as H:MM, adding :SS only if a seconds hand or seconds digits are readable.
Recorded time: 5:54
